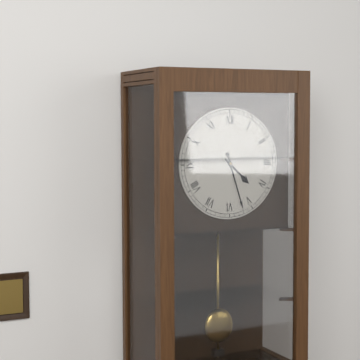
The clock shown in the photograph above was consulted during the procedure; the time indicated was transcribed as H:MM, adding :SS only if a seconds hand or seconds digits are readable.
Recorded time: 4:27
